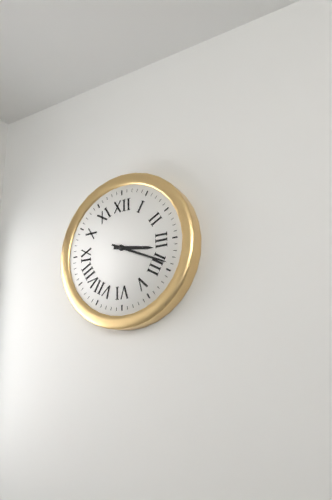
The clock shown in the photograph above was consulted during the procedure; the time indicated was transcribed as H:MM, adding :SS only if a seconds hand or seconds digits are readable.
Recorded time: 3:19
